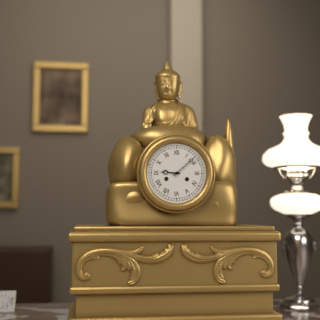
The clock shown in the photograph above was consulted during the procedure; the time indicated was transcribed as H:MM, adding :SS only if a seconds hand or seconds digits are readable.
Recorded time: 9:08
